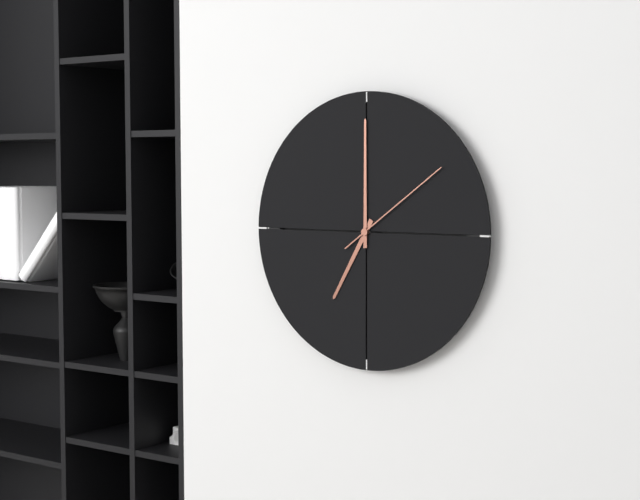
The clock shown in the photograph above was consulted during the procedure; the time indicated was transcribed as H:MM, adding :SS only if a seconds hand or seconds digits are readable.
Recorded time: 7:00:09
